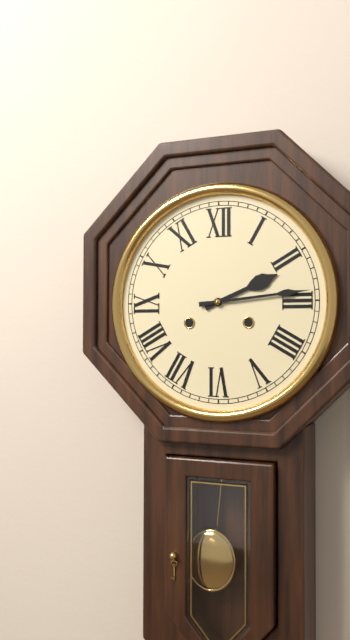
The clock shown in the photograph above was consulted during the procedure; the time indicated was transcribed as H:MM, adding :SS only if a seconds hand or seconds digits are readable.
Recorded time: 2:14
